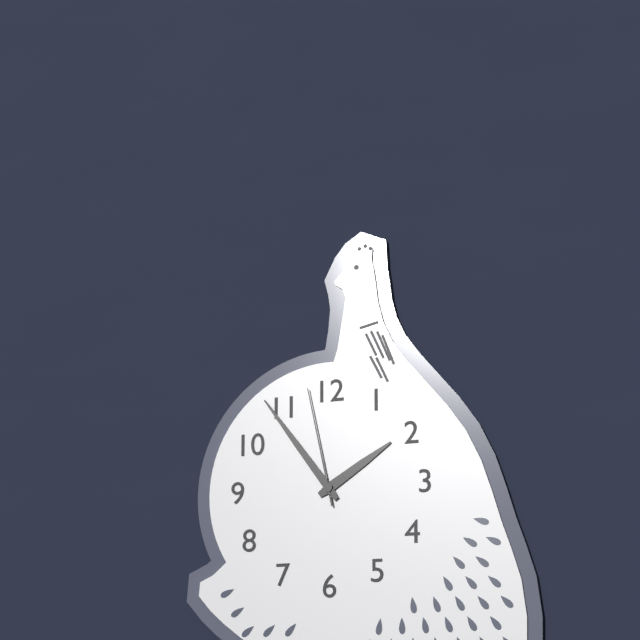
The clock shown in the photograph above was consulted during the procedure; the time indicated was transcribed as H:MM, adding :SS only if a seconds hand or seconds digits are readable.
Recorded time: 1:54:58
